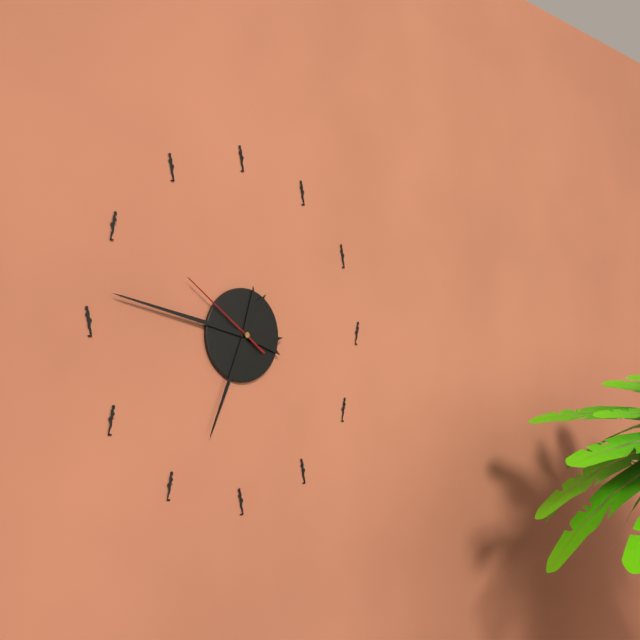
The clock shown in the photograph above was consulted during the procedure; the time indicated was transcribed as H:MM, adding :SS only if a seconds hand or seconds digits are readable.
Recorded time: 6:47:51
